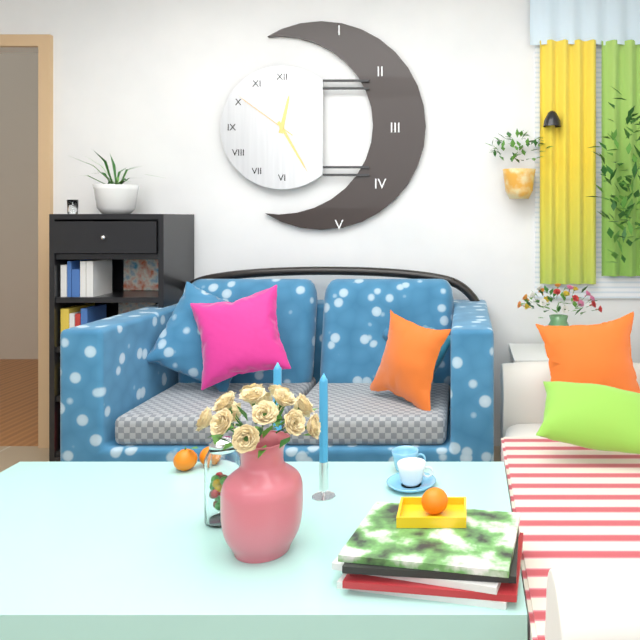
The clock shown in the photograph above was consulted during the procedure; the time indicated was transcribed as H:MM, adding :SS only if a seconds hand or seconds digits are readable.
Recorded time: 12:25:51
